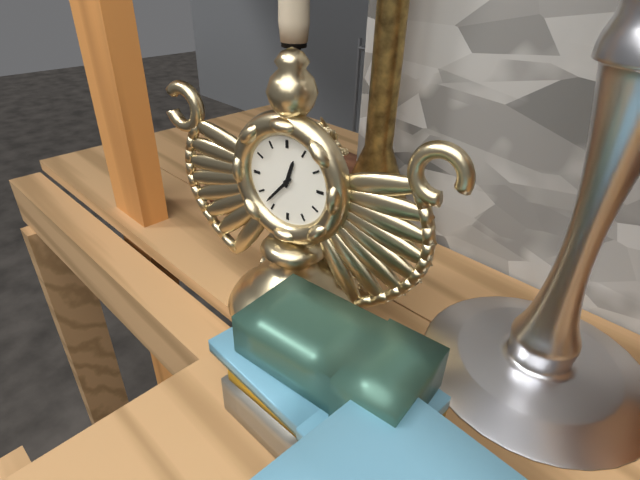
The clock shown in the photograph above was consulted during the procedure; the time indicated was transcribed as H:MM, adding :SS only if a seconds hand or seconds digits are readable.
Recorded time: 12:37
